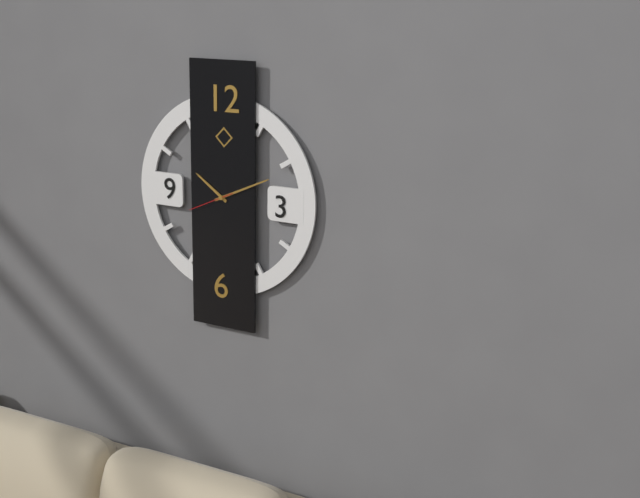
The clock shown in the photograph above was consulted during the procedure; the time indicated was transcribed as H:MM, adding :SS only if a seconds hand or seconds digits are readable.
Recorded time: 10:11:41
